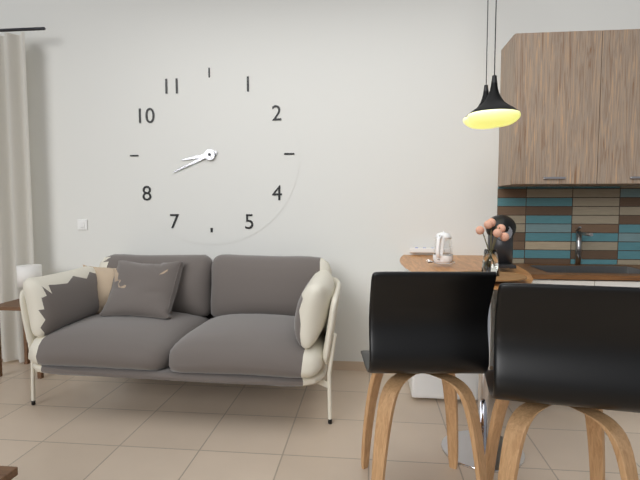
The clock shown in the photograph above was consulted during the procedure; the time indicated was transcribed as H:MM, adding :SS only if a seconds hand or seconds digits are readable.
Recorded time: 8:41
